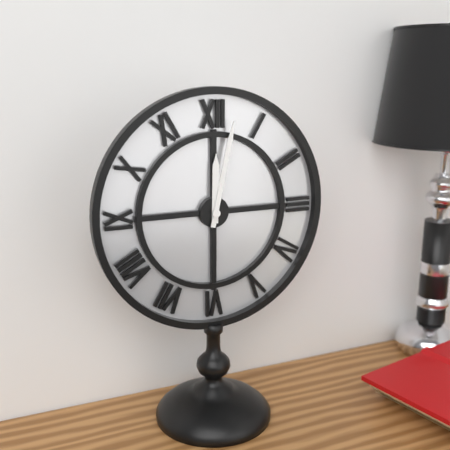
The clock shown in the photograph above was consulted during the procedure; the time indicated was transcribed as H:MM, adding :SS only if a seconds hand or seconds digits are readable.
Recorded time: 12:02
